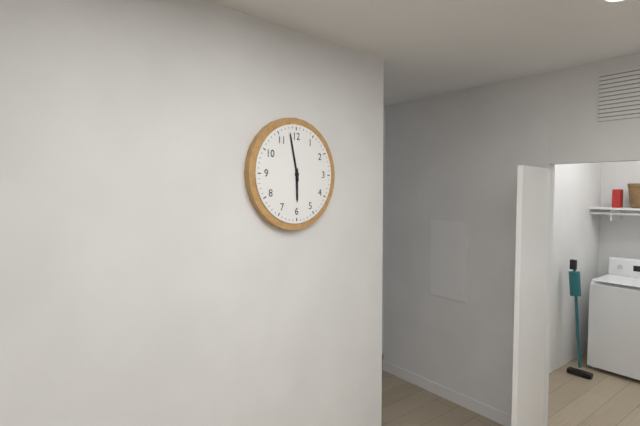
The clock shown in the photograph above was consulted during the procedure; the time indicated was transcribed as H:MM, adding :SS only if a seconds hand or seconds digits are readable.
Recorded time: 5:58
